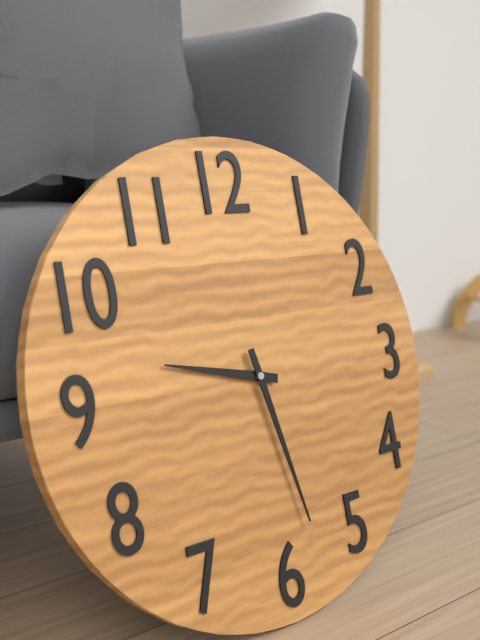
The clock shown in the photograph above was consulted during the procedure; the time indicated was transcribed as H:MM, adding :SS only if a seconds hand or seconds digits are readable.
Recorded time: 9:28
